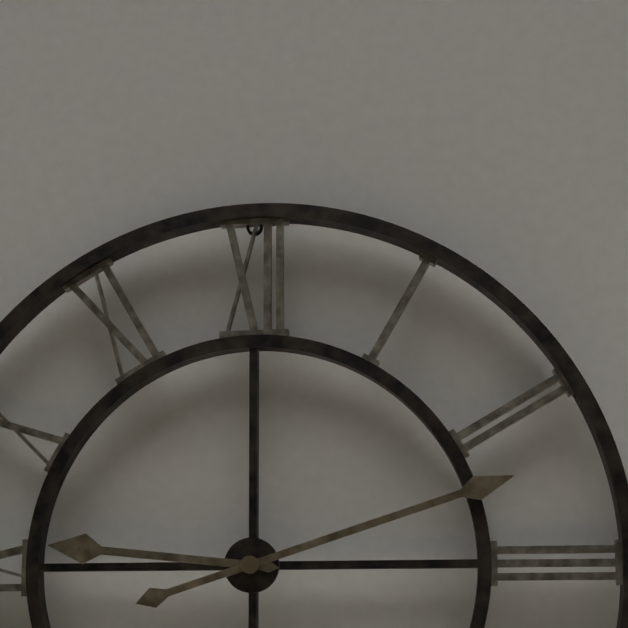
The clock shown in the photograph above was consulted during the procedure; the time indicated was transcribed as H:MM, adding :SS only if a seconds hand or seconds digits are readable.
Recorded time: 9:12
